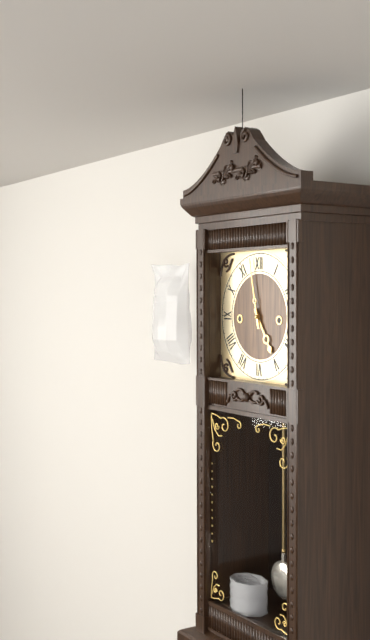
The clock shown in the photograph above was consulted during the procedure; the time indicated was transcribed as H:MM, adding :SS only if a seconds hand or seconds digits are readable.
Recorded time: 4:58
